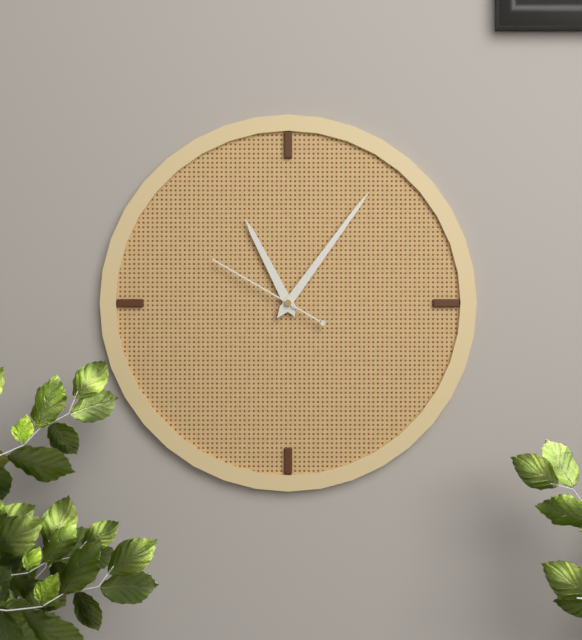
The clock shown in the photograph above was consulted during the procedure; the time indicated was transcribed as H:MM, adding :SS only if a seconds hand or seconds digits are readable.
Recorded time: 11:06:50
